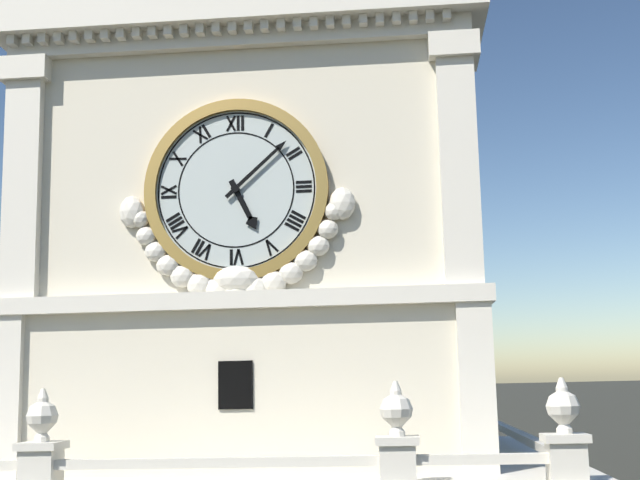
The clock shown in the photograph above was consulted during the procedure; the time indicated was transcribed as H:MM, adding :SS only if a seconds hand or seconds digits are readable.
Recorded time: 5:08
